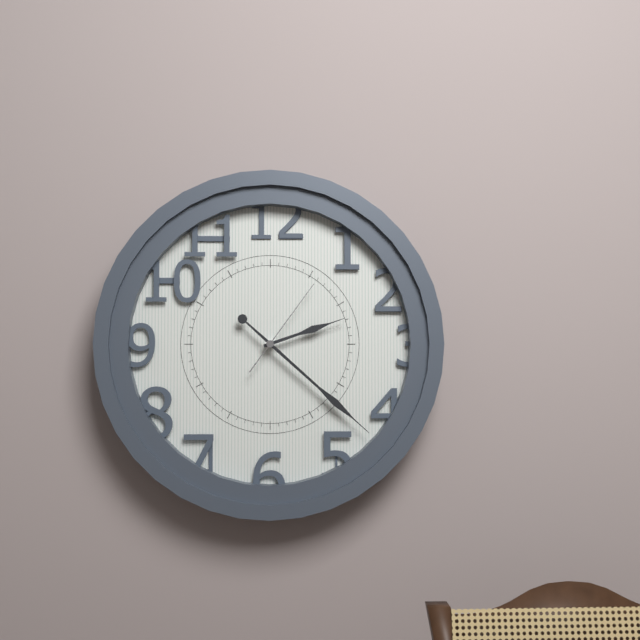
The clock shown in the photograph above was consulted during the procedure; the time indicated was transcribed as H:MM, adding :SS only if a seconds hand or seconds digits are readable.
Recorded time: 2:22:06
